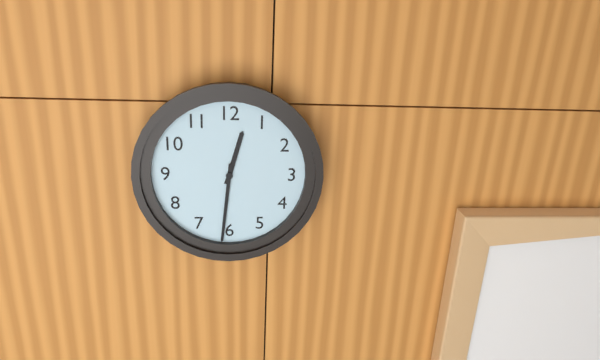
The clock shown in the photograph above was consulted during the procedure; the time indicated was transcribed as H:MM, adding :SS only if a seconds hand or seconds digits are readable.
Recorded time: 12:31
